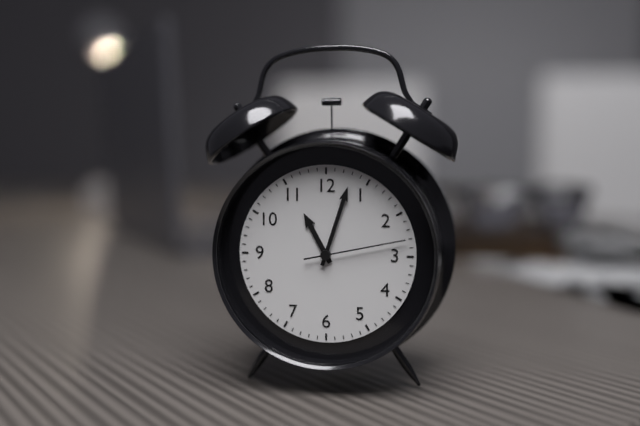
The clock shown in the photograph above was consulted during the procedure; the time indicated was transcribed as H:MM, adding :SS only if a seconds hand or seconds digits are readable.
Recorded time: 11:03:13
